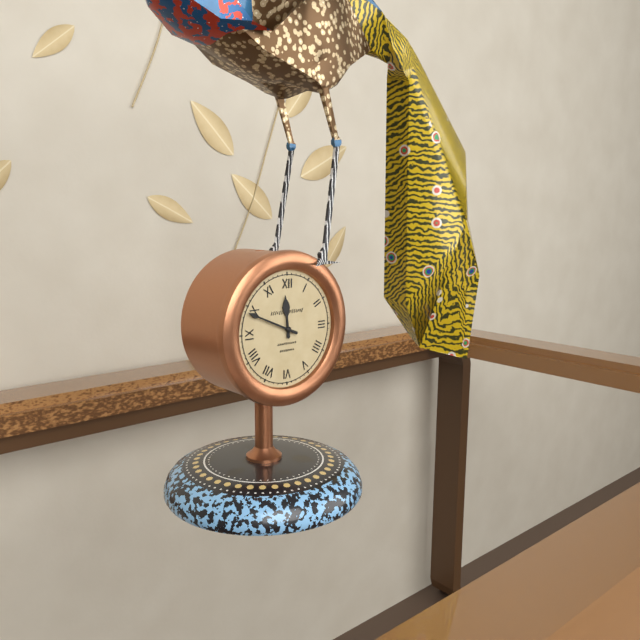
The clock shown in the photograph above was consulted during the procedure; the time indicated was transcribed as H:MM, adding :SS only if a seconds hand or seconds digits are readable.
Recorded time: 11:49
